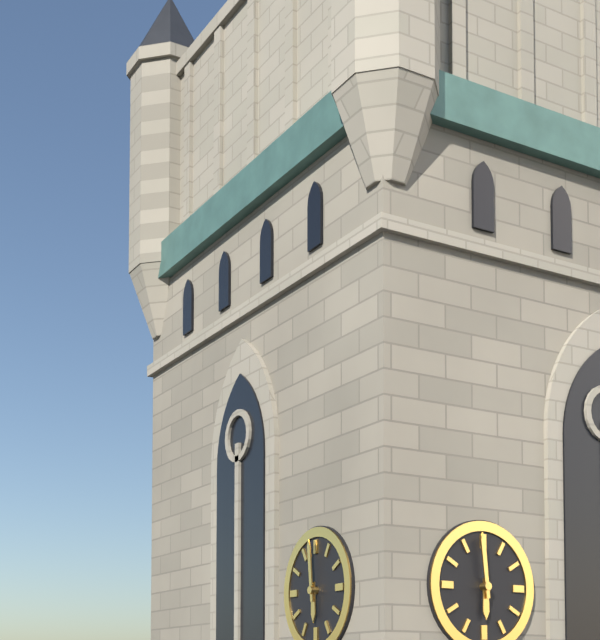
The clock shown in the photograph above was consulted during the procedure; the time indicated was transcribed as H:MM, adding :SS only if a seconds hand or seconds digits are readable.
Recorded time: 5:59
